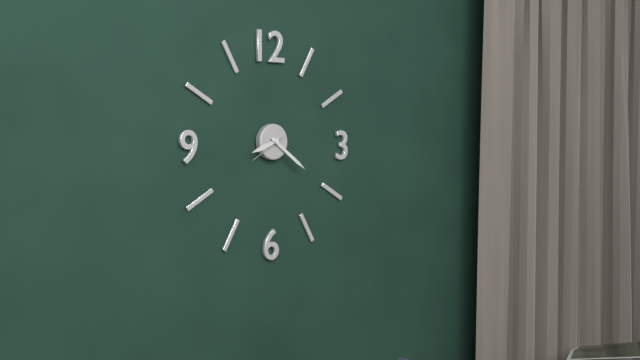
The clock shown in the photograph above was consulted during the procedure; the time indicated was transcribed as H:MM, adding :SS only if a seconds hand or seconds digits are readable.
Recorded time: 8:21
